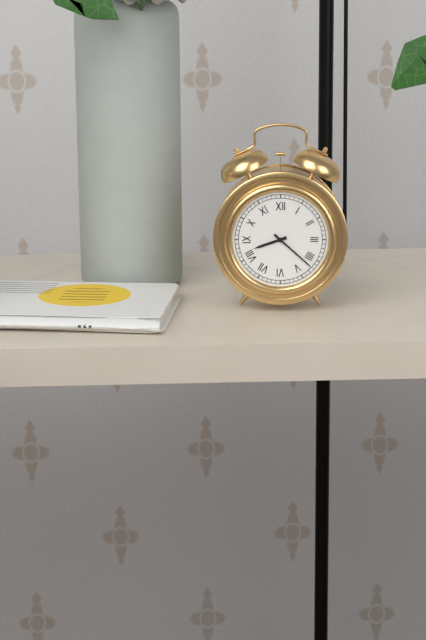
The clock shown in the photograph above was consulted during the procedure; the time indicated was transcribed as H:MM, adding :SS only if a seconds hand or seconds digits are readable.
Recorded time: 8:22
